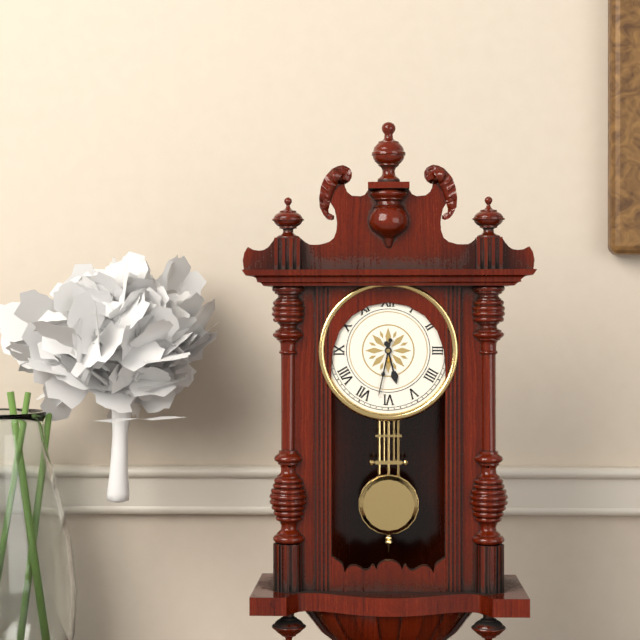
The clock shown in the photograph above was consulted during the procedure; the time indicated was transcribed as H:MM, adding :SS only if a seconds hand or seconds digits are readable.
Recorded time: 5:32
